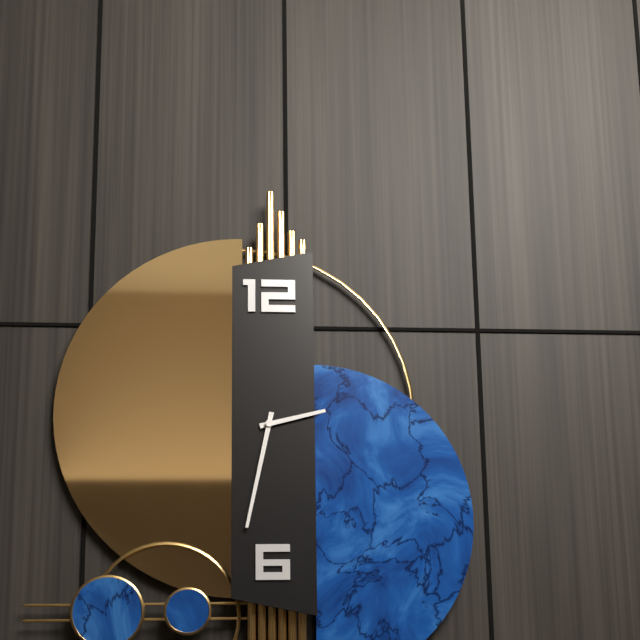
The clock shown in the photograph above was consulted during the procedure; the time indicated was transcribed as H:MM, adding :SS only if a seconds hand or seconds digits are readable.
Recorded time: 2:32
